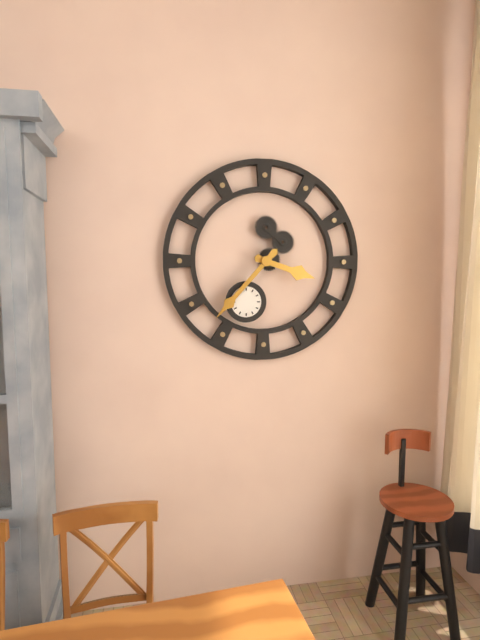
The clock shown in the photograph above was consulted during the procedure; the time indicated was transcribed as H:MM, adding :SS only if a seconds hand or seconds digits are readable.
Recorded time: 3:37
